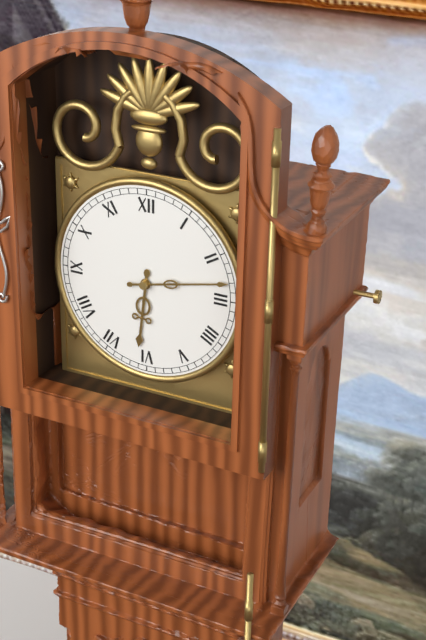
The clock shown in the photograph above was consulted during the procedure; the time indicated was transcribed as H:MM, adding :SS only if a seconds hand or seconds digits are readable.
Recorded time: 6:13
